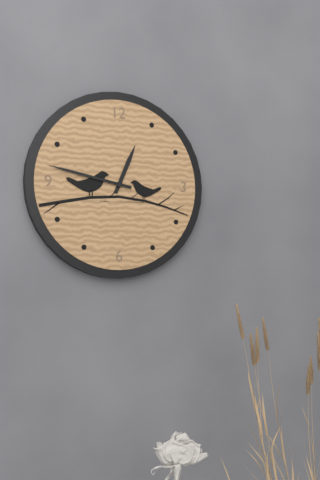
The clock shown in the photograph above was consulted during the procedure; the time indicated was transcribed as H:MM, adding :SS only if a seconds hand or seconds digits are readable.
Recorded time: 12:47
